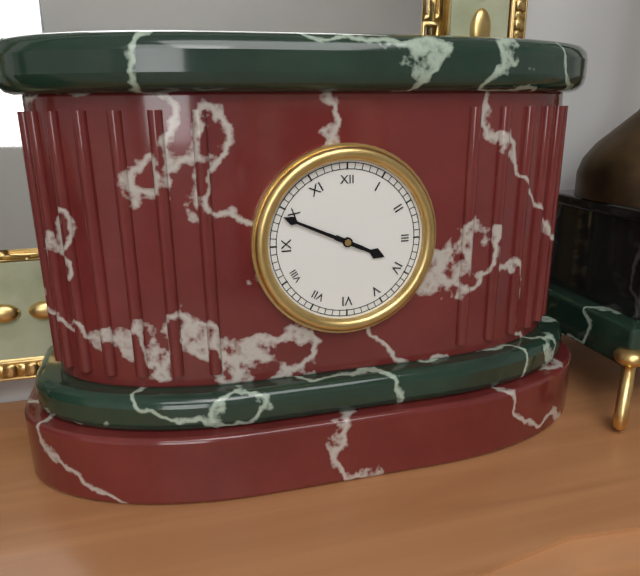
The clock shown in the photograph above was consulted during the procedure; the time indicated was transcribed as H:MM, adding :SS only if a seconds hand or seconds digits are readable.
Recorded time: 3:49
